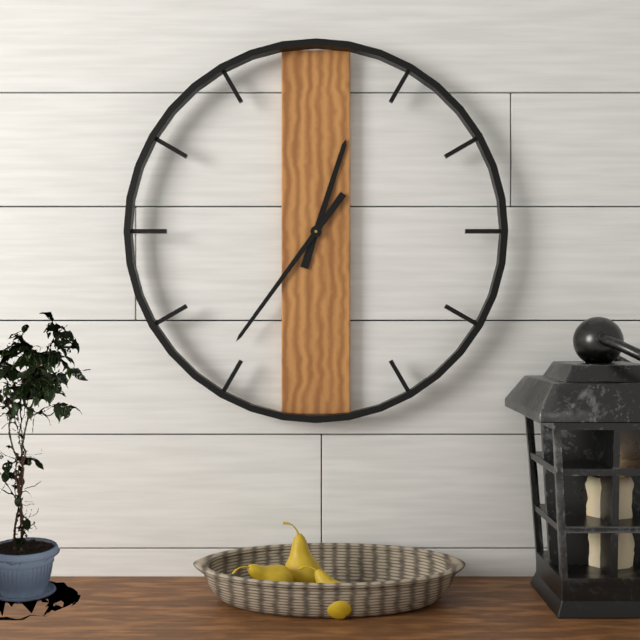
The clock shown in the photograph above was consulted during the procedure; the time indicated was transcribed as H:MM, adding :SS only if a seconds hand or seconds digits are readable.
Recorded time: 12:36
